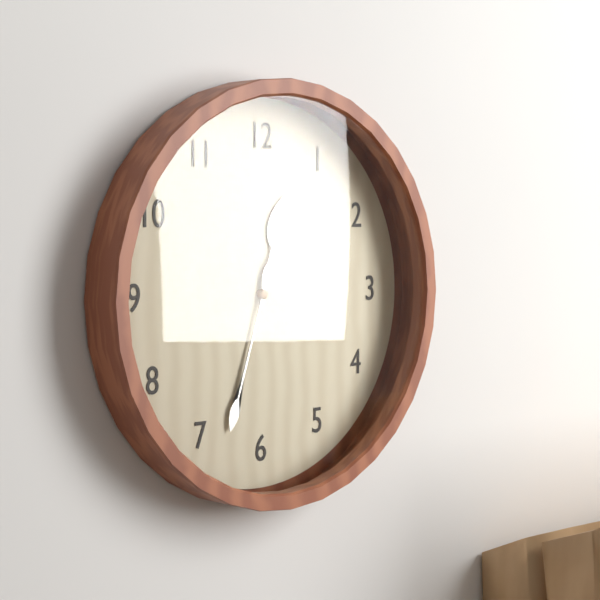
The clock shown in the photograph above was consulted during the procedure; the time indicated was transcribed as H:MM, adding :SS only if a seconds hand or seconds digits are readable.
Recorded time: 12:33
